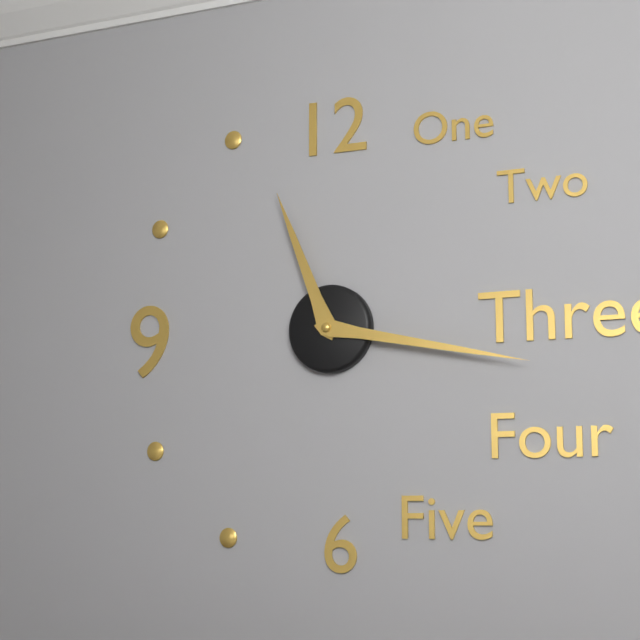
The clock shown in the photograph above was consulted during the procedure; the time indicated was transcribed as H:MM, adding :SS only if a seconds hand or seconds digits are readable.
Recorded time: 11:17
